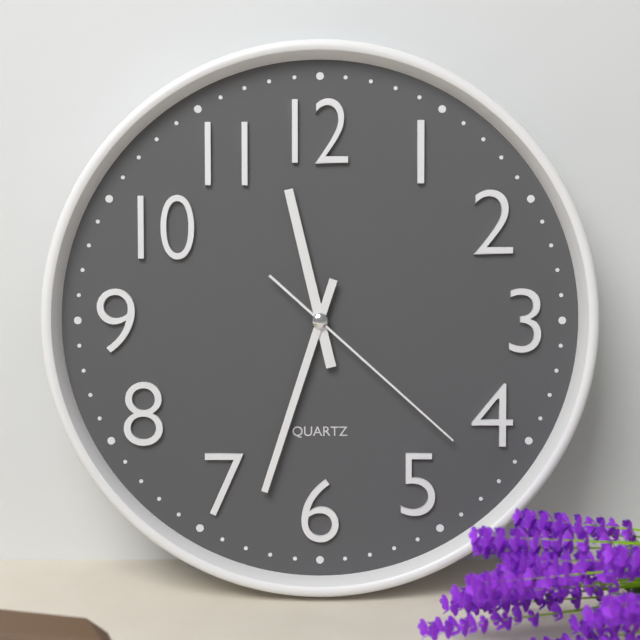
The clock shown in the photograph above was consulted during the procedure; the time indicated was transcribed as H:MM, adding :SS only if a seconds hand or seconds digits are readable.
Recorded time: 11:33:22
